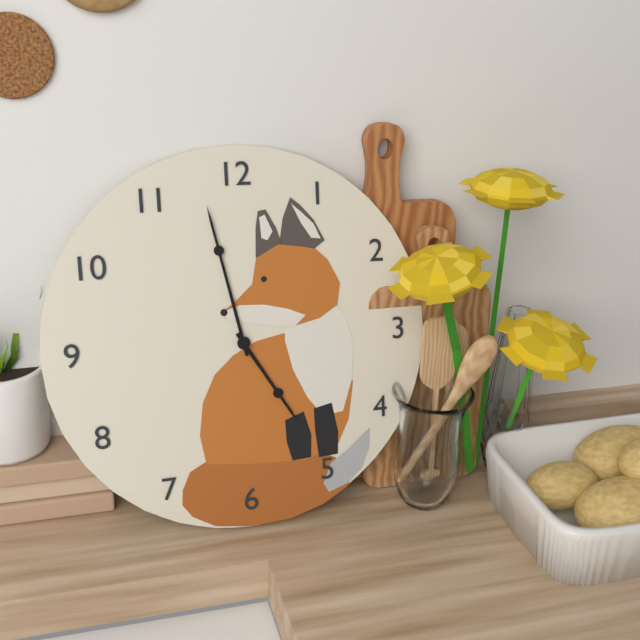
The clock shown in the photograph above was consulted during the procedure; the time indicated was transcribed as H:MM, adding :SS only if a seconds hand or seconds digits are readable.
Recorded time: 4:58
